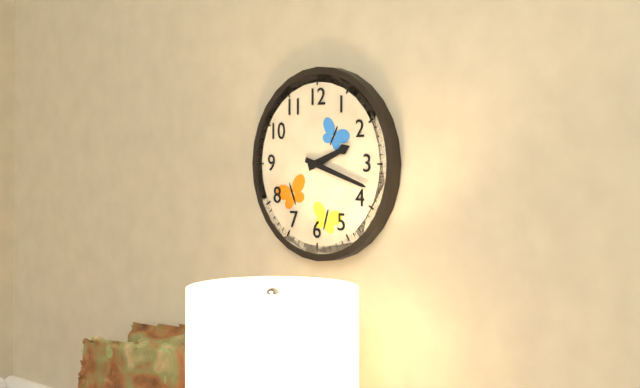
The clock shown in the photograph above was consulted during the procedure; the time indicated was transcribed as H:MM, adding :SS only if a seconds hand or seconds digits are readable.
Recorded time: 2:18
